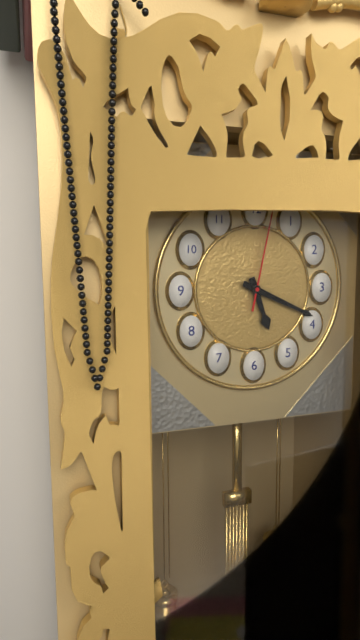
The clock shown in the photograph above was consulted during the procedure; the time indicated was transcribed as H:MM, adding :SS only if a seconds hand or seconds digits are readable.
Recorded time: 5:19:02
